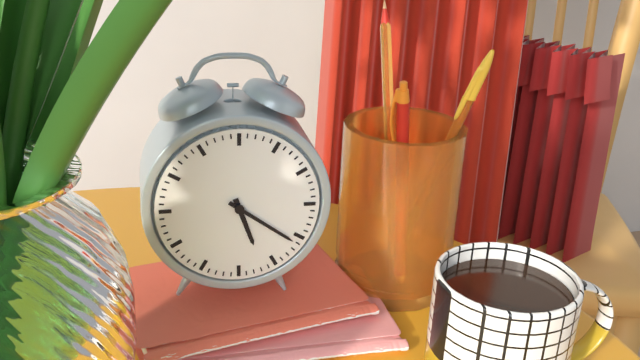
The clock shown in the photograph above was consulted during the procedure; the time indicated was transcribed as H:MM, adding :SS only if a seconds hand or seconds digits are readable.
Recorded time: 5:21
